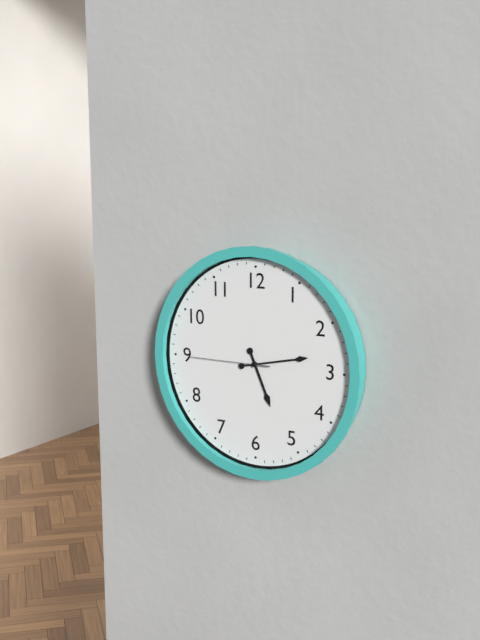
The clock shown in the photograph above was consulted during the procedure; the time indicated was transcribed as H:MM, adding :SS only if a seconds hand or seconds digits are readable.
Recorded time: 5:13:45
